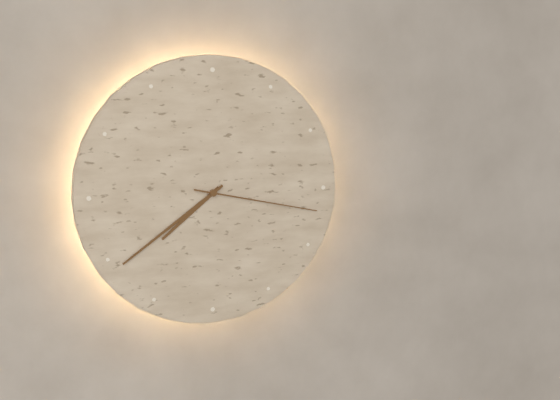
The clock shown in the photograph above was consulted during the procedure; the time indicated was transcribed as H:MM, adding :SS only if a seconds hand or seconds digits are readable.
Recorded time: 7:39:17
